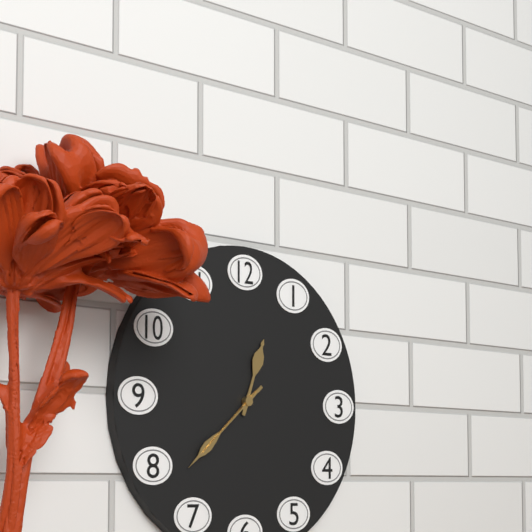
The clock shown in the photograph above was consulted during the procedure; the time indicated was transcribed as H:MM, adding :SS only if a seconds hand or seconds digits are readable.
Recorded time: 12:38:38
